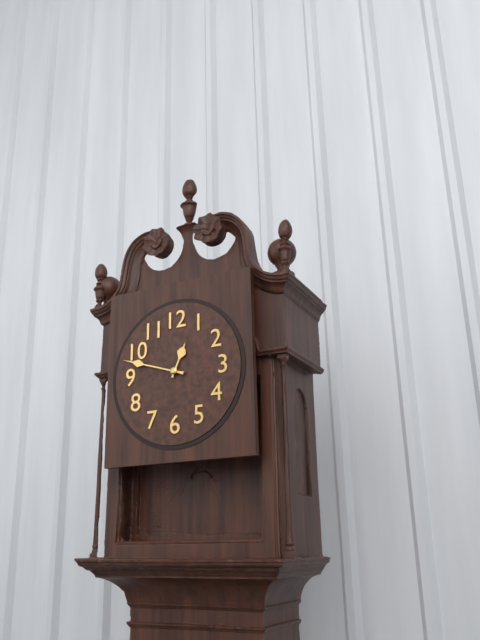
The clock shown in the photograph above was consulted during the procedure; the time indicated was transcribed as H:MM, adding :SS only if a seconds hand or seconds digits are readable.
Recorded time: 12:48
